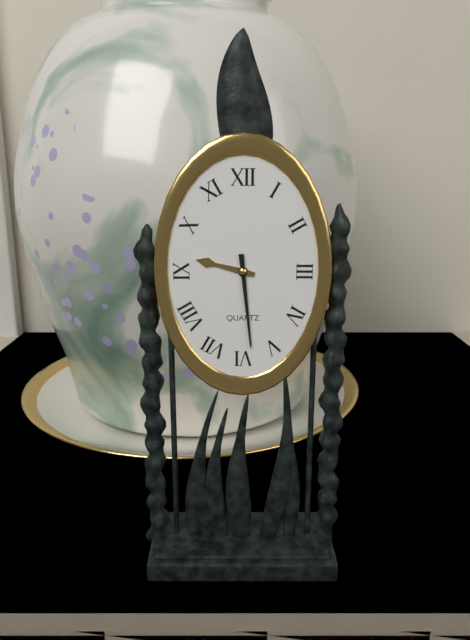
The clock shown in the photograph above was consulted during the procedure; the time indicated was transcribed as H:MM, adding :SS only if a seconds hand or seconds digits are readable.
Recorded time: 9:29
